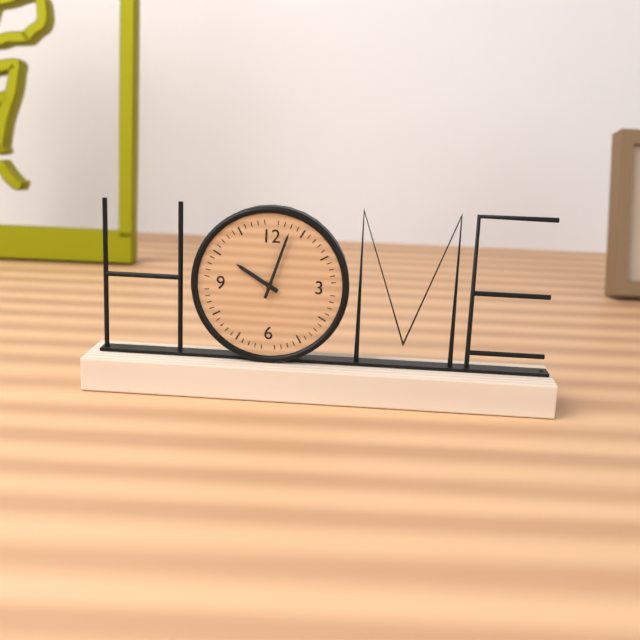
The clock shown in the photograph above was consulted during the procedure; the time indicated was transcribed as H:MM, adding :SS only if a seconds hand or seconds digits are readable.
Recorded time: 10:03
